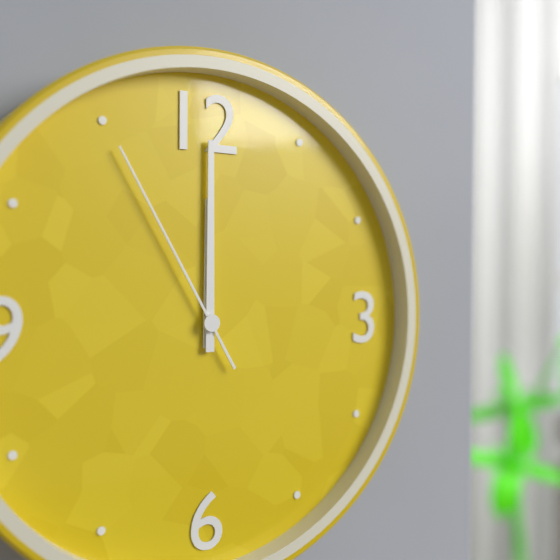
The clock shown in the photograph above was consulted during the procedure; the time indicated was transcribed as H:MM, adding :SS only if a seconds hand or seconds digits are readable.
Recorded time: 12:00:55
